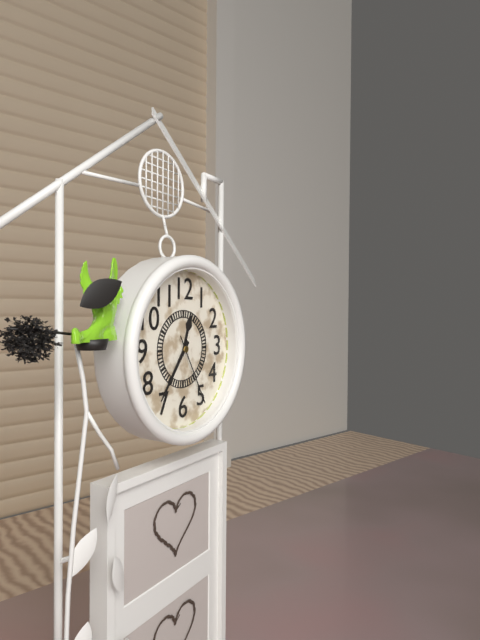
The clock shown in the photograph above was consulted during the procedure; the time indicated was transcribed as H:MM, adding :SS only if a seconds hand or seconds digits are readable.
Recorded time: 12:36:25
